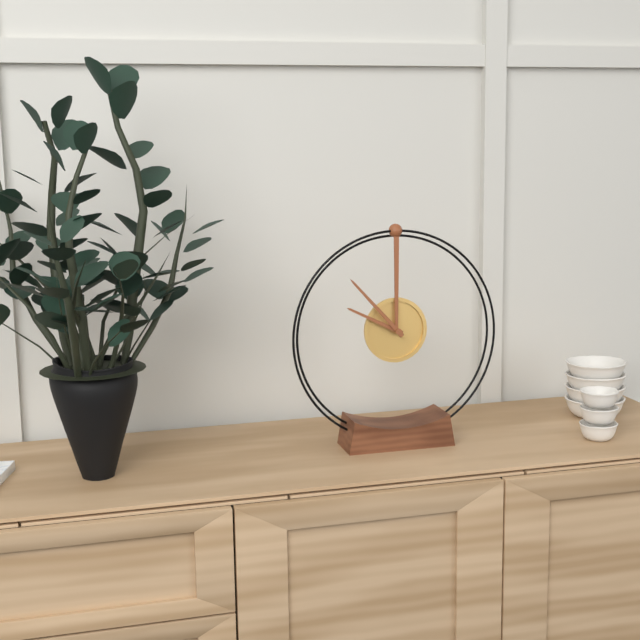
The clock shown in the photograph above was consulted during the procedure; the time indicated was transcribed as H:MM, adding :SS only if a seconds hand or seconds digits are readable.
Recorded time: 9:53
